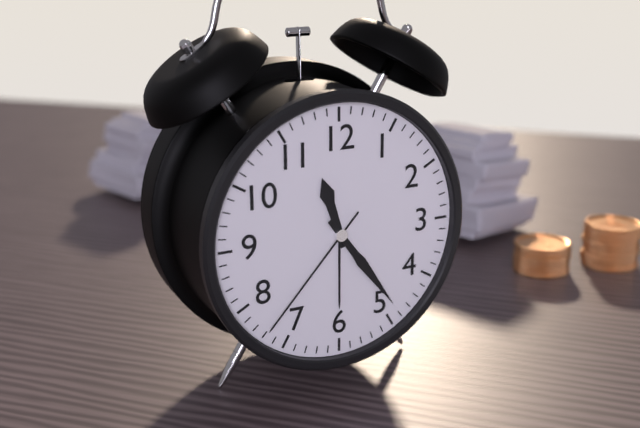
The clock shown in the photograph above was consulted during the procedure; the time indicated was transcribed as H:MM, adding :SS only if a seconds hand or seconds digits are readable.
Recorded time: 11:24:37
